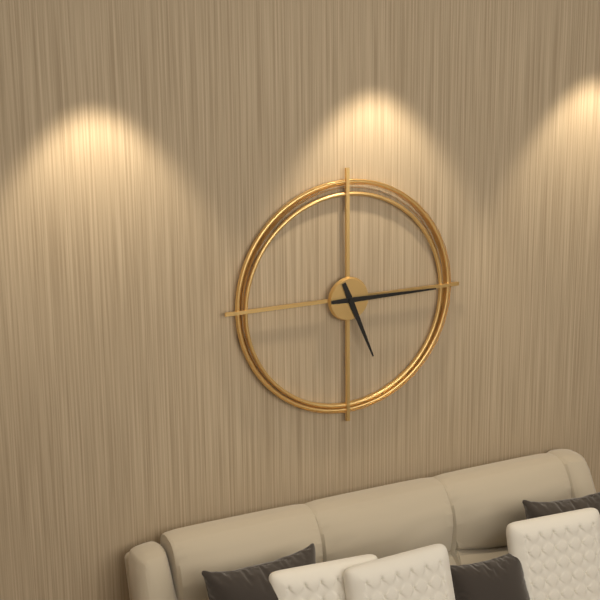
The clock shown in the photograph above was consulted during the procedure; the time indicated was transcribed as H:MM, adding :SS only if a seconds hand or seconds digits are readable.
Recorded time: 5:15
